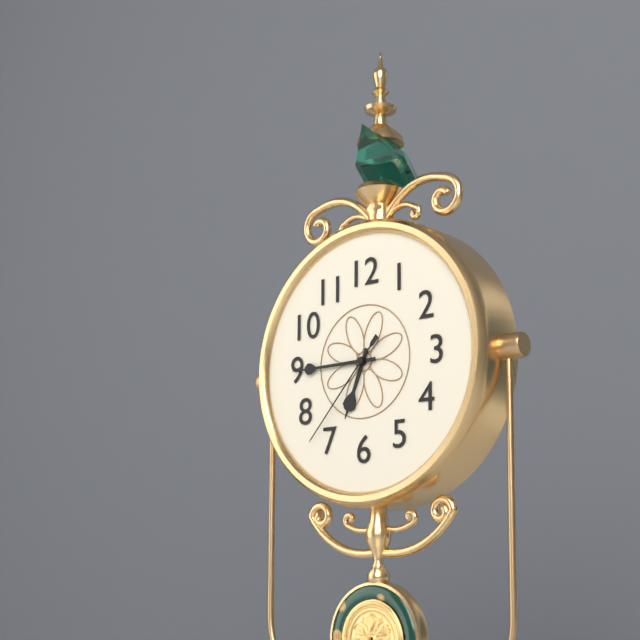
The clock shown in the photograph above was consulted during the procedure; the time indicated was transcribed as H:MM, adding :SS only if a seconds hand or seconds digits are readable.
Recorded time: 6:45:37
